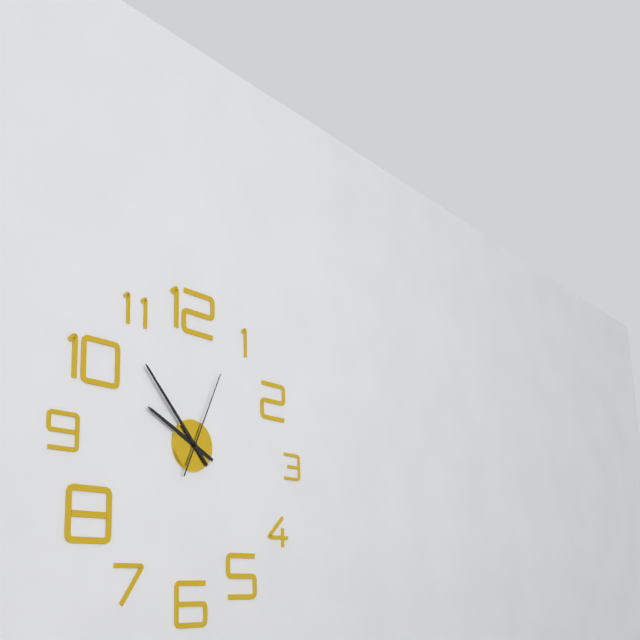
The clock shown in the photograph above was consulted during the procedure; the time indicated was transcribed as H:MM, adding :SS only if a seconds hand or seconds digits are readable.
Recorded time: 9:53:04
